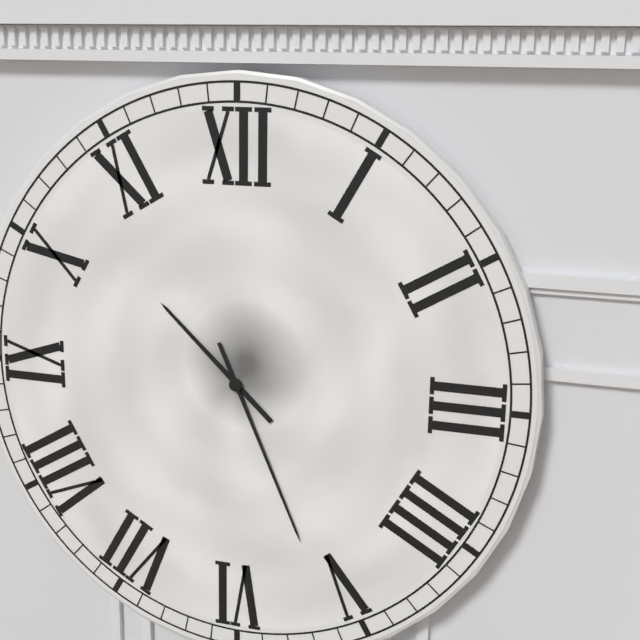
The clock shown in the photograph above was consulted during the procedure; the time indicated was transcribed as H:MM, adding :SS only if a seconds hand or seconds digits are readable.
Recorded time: 10:26
